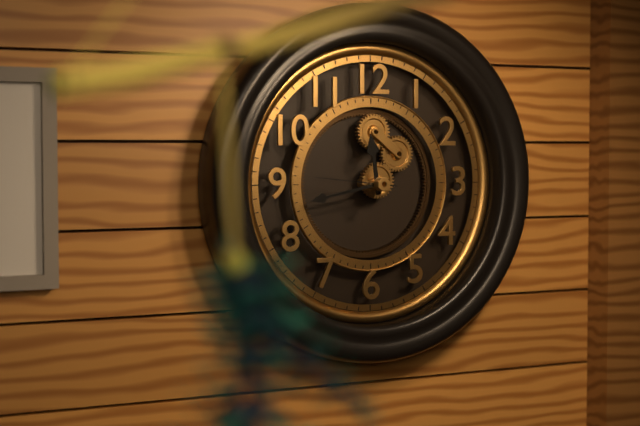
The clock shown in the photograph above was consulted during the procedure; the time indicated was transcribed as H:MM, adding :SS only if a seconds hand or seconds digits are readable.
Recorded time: 11:43:46
